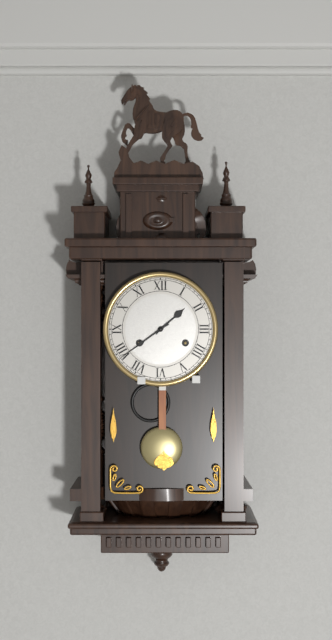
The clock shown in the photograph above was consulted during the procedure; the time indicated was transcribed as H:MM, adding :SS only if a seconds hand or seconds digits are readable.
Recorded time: 1:39
